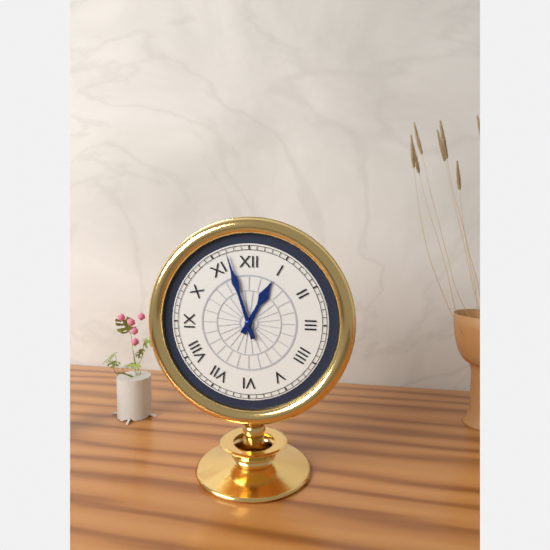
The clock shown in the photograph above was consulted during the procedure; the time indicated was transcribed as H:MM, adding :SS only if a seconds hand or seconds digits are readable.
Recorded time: 12:57
